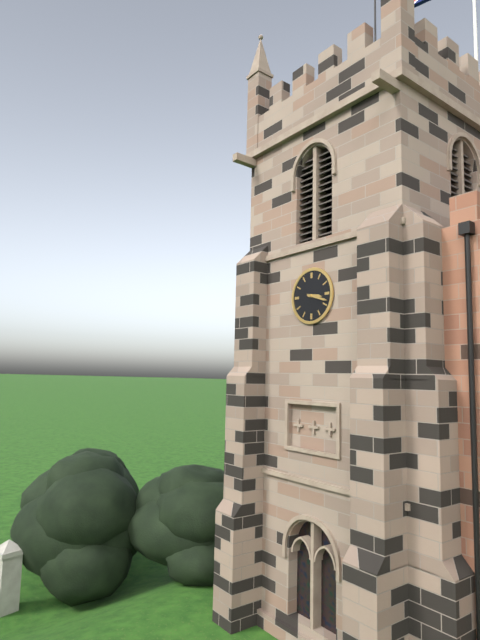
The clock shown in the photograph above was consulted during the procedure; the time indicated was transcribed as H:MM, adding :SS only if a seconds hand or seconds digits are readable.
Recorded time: 3:18
